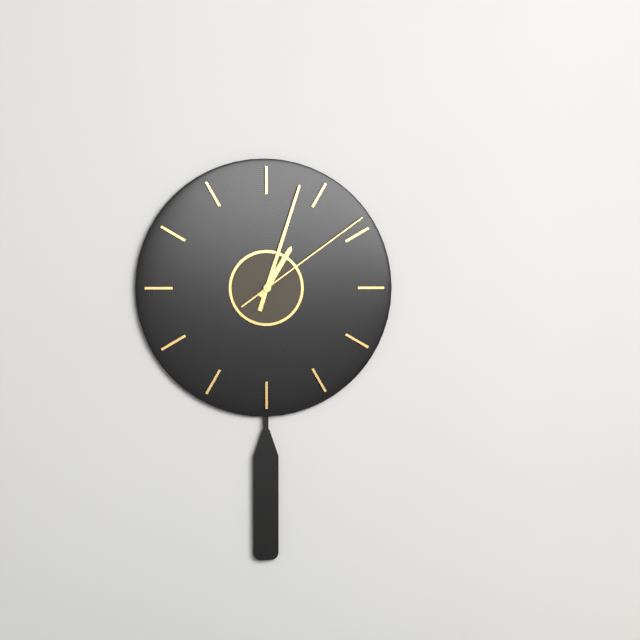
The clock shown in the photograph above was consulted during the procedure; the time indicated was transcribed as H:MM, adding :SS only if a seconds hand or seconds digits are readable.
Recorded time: 1:03:09
